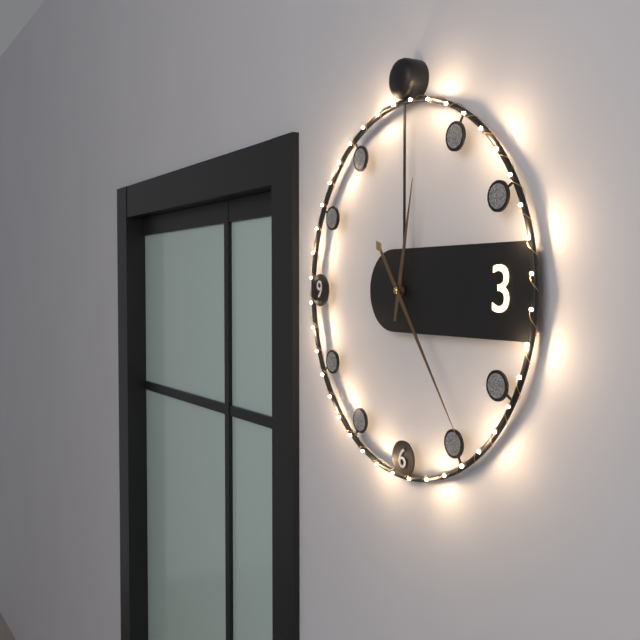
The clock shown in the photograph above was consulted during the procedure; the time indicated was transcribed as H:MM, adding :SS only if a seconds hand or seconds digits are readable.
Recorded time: 12:24
